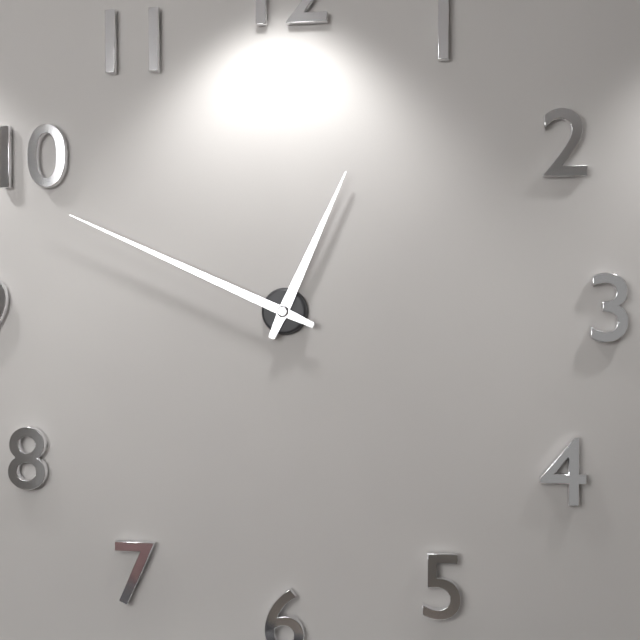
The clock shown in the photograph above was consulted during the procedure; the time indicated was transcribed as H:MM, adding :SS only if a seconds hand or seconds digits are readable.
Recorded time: 12:49
